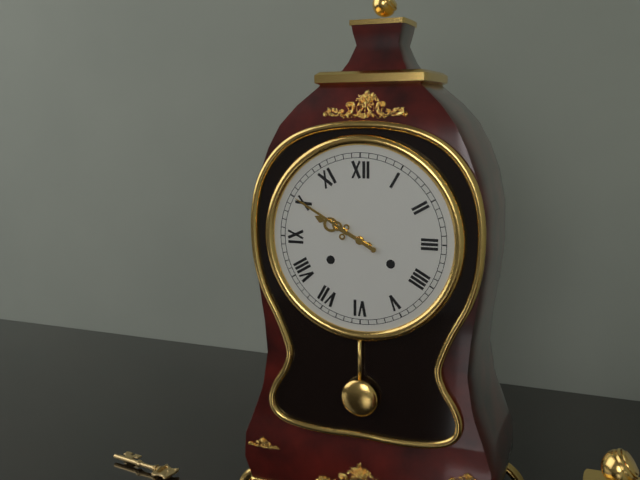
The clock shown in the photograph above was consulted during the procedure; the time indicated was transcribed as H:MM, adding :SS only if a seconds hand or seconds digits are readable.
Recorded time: 9:50
